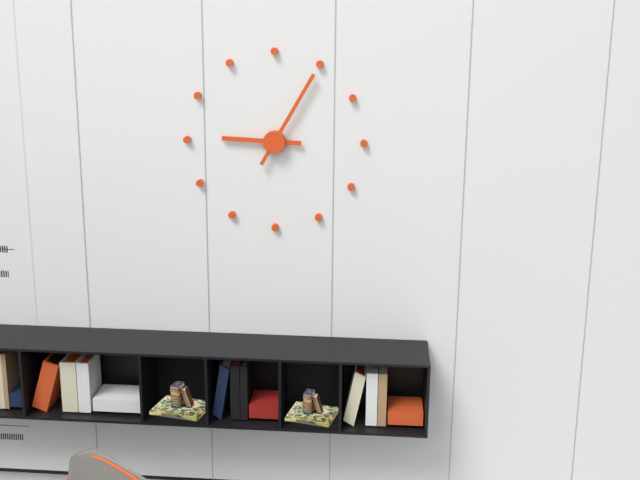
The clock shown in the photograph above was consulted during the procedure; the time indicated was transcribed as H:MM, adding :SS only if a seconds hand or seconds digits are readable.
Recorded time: 9:05
